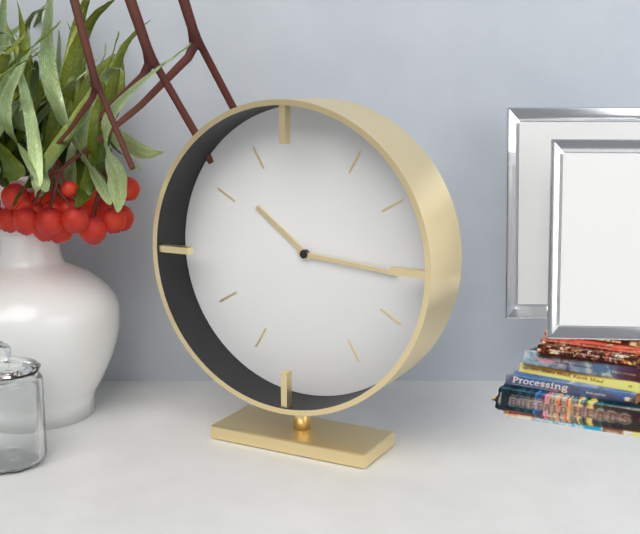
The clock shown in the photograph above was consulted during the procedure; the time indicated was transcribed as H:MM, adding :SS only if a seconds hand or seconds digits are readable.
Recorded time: 10:16
